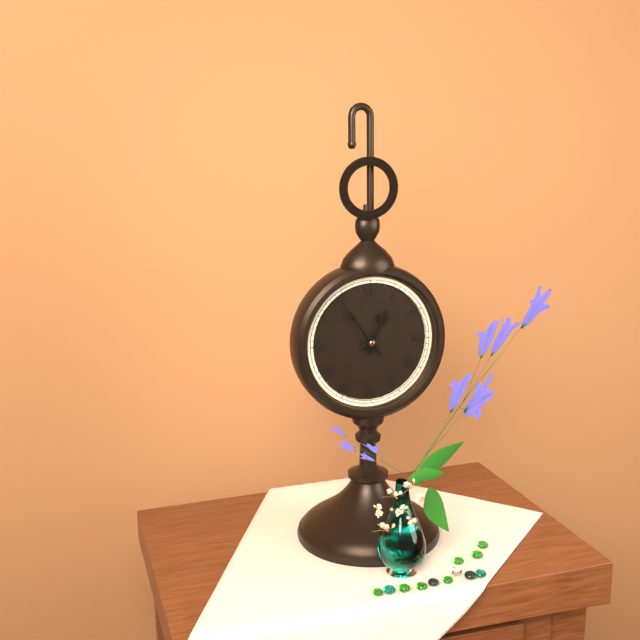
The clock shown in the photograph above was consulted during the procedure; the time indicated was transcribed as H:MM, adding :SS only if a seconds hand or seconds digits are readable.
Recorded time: 12:54
